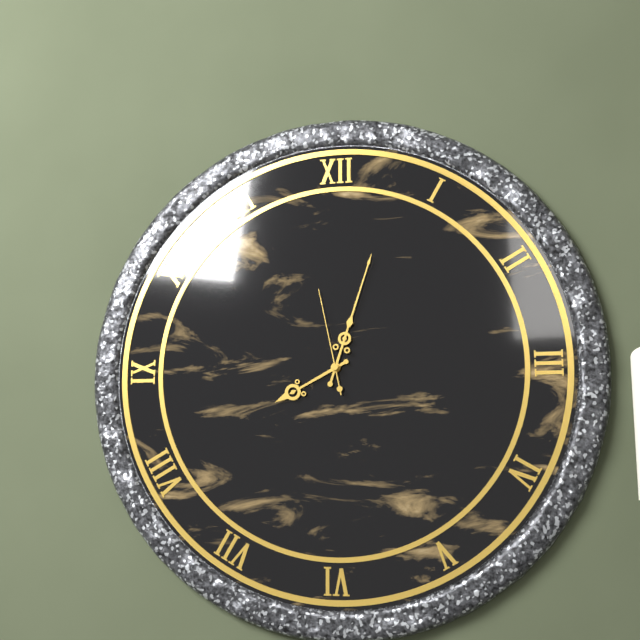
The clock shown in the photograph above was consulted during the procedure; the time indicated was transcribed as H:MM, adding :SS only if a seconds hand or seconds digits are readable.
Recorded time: 8:03:58
